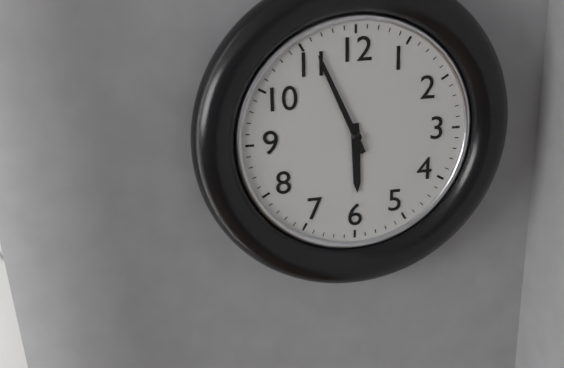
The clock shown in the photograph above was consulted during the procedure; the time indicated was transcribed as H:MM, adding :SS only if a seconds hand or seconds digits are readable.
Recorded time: 5:56
